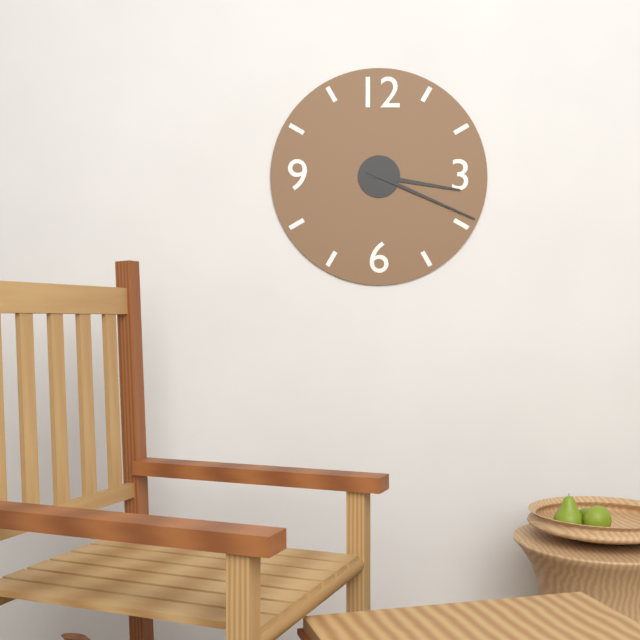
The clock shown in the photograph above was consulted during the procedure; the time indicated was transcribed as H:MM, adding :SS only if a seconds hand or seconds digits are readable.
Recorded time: 3:19
